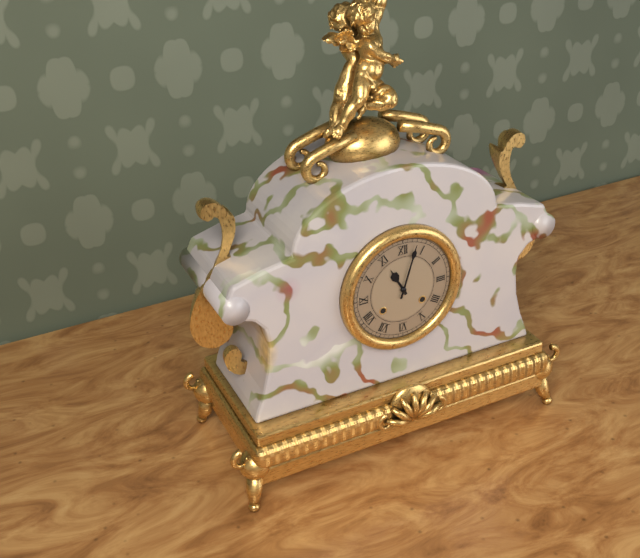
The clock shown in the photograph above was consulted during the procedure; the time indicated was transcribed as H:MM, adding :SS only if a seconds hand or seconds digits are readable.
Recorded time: 11:03
